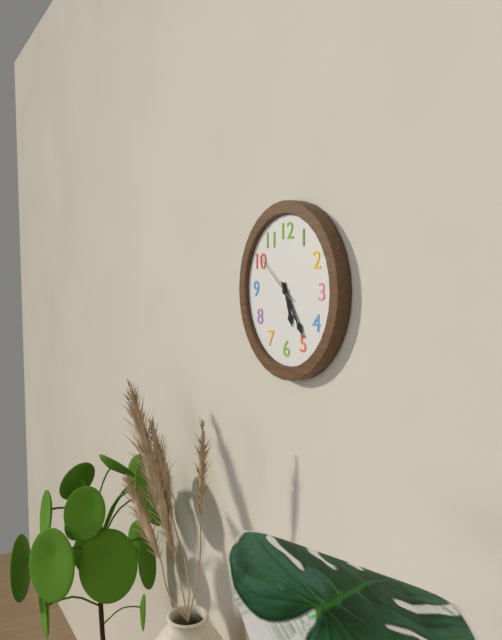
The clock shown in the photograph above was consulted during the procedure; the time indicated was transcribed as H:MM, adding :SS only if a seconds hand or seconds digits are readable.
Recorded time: 5:24:51
